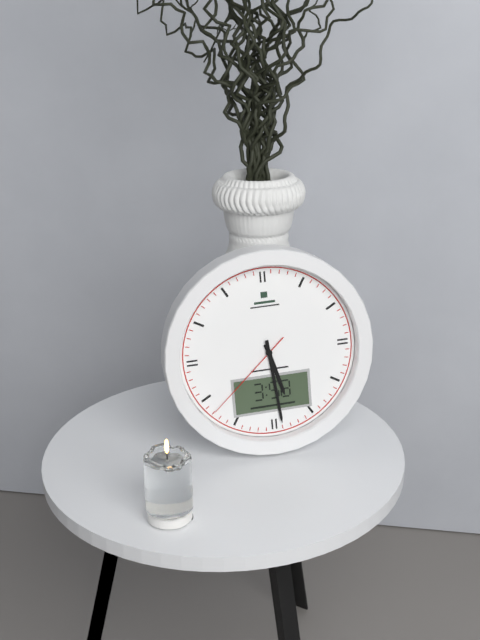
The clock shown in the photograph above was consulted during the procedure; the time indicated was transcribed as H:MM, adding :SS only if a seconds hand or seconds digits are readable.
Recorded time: 5:29:38
